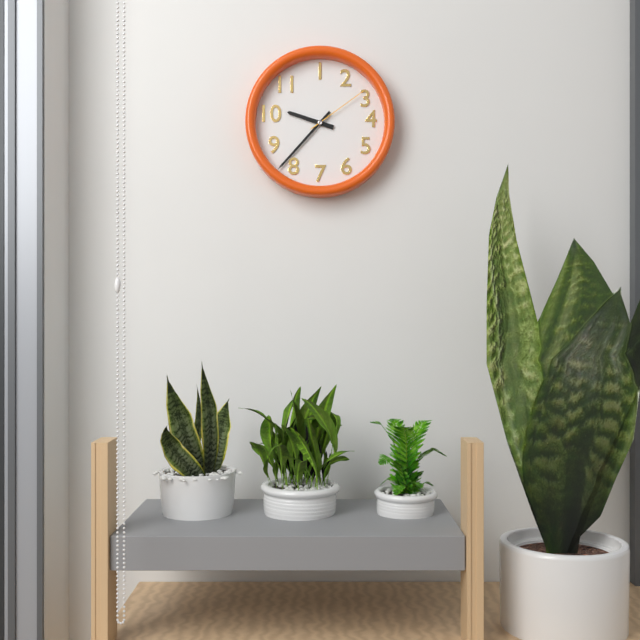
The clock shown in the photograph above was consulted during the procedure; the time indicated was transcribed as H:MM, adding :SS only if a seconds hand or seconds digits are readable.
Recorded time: 9:37:09
